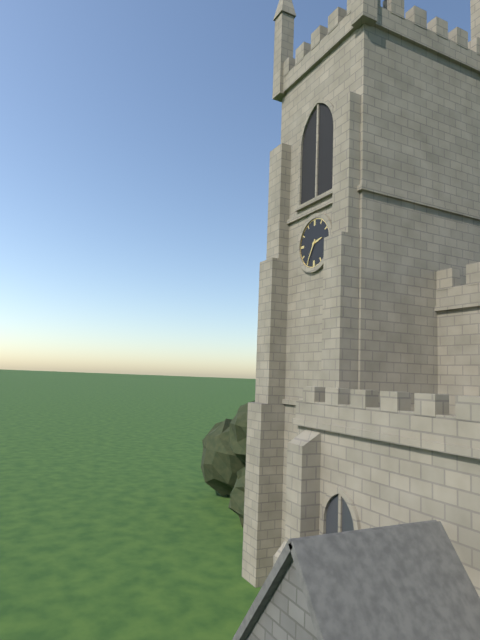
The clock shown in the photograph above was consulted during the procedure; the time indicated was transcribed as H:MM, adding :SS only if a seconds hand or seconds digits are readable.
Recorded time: 2:35
